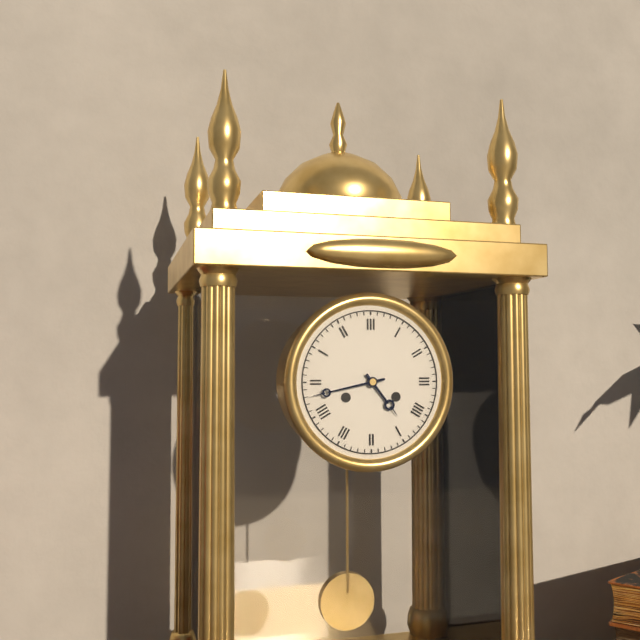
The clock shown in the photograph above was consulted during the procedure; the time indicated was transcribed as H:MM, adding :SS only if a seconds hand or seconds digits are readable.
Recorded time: 4:43
